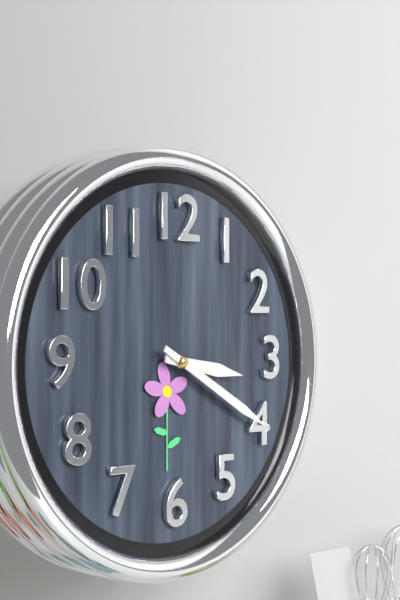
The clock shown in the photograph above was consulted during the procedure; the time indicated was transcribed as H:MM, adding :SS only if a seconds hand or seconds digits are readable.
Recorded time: 3:20
